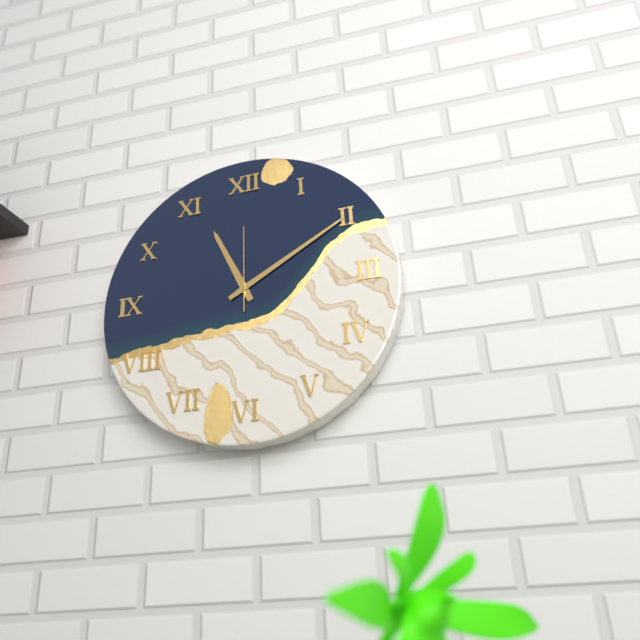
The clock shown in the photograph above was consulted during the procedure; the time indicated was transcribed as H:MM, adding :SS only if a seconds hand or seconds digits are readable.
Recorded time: 11:10:00
